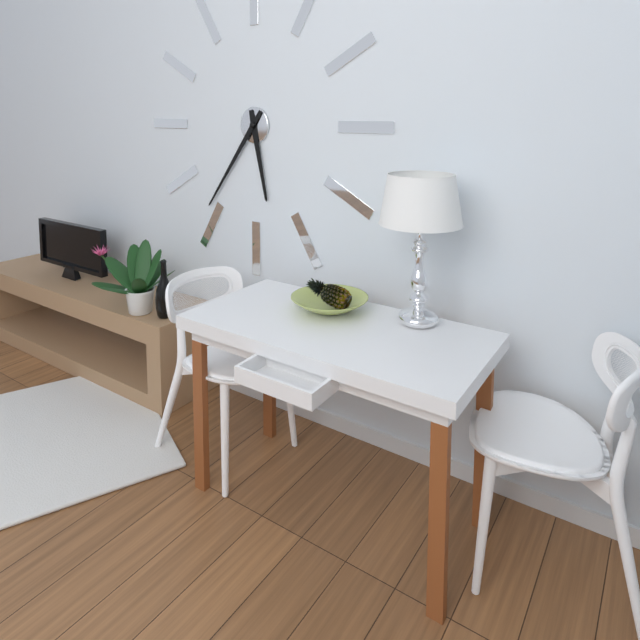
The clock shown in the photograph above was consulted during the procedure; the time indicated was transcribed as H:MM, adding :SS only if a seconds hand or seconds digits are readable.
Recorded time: 5:36
